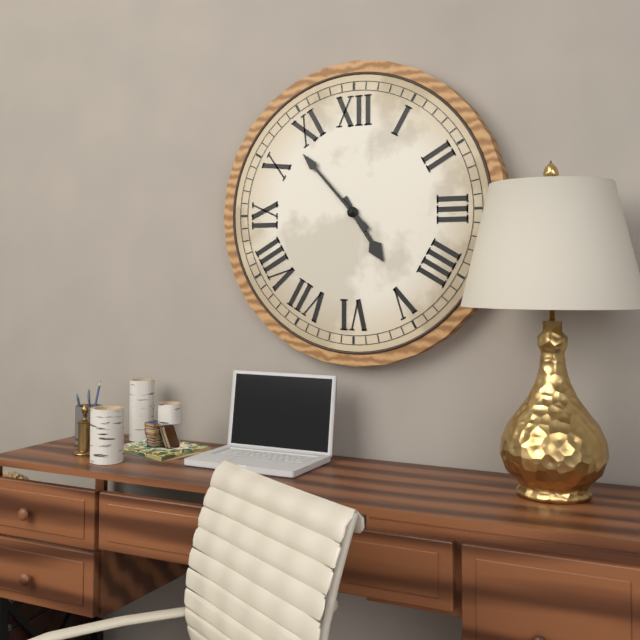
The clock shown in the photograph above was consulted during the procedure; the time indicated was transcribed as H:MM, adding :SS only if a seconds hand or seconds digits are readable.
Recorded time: 4:53
